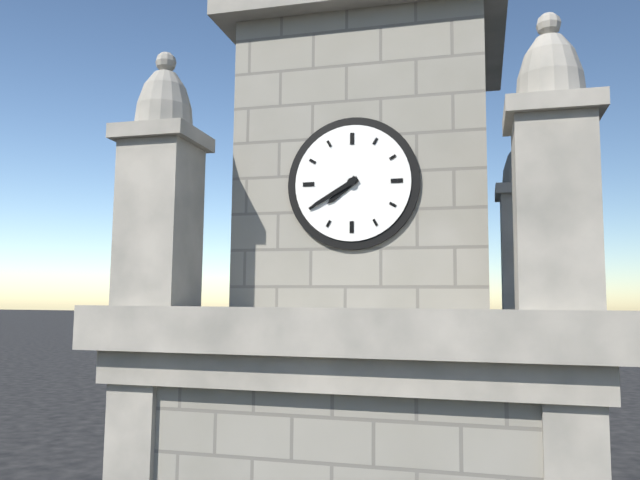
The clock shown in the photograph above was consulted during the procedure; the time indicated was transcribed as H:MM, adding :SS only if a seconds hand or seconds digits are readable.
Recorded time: 7:40
